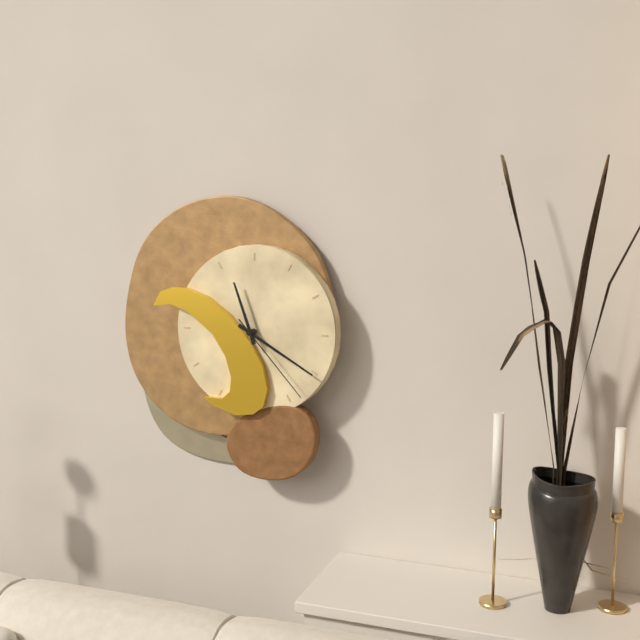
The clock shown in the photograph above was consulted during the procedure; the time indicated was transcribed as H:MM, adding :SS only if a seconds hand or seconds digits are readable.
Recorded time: 11:20:23
